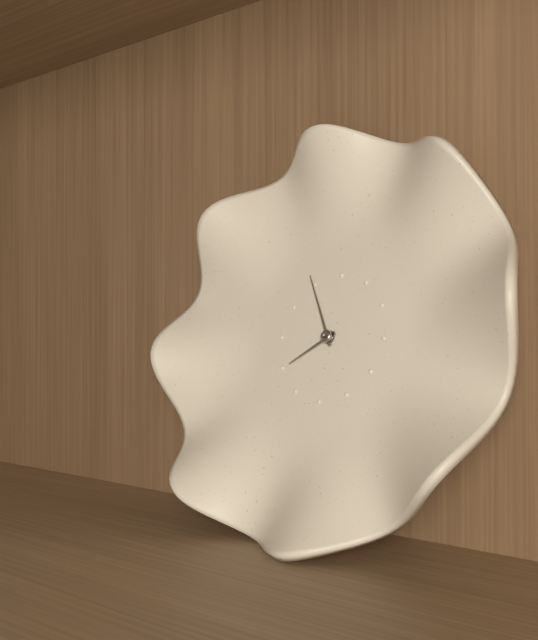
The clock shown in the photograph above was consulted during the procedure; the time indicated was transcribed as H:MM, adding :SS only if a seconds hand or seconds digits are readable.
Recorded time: 7:55
